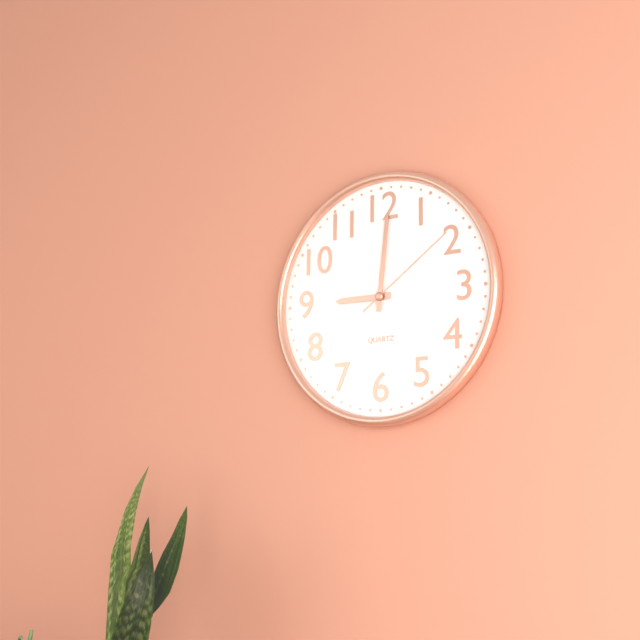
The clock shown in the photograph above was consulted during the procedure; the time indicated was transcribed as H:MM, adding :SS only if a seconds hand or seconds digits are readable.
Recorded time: 9:01:09
